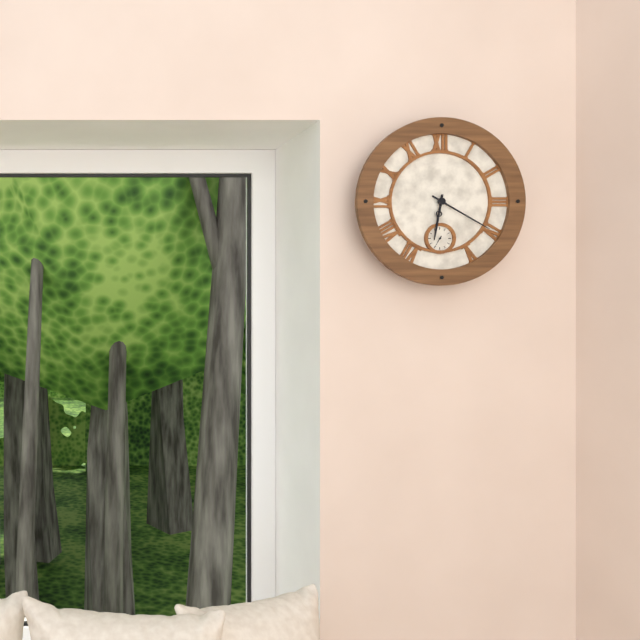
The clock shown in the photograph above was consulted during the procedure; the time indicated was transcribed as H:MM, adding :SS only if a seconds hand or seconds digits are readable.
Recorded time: 6:20
